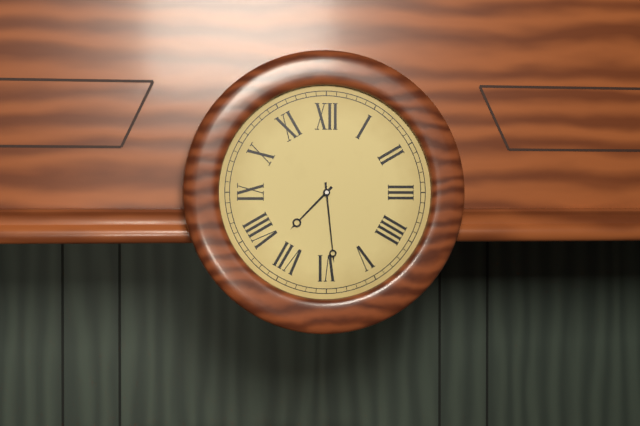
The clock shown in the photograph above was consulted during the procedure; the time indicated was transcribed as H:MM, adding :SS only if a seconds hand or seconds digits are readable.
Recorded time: 7:29
